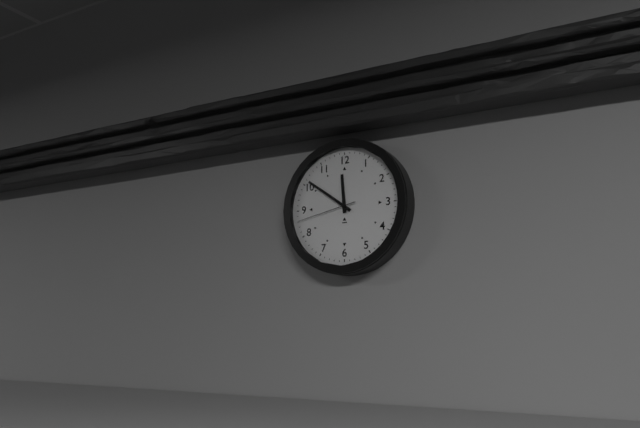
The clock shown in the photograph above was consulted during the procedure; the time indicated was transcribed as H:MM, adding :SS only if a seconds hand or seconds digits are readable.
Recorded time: 11:51:43
